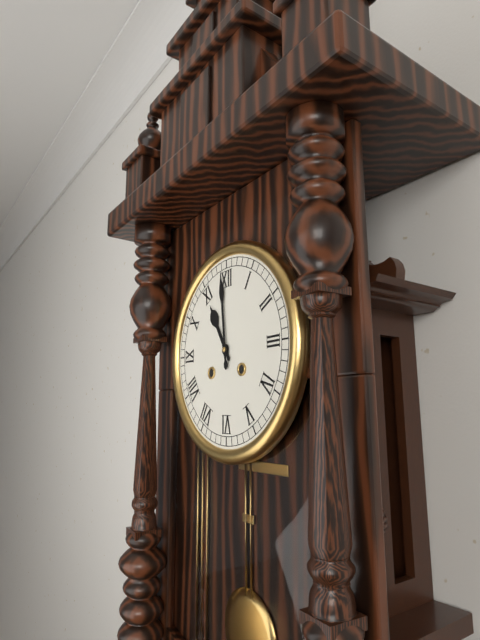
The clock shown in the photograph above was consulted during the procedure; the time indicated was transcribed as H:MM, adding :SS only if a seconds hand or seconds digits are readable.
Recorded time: 10:59
